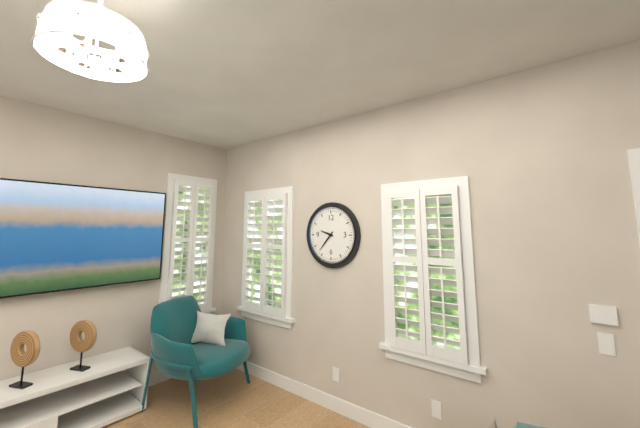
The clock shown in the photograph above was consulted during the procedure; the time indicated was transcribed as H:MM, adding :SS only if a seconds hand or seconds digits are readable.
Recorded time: 9:37
